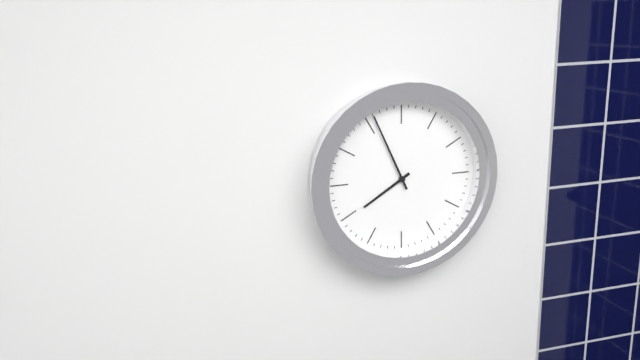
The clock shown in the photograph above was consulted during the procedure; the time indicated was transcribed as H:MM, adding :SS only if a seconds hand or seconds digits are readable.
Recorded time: 7:56
